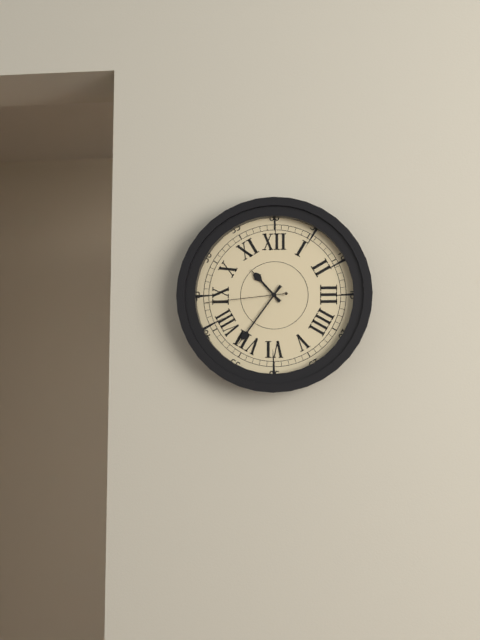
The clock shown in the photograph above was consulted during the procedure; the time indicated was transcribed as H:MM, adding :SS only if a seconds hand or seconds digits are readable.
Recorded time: 10:36:44
